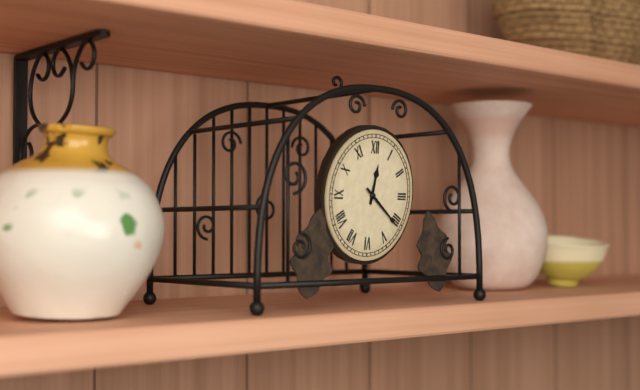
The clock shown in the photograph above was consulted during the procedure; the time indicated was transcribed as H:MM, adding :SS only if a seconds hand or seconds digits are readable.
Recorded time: 12:21
